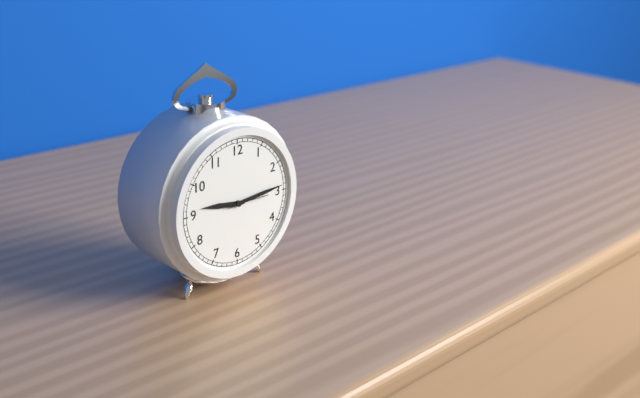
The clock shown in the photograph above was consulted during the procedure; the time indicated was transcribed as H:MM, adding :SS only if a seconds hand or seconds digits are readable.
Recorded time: 9:14
